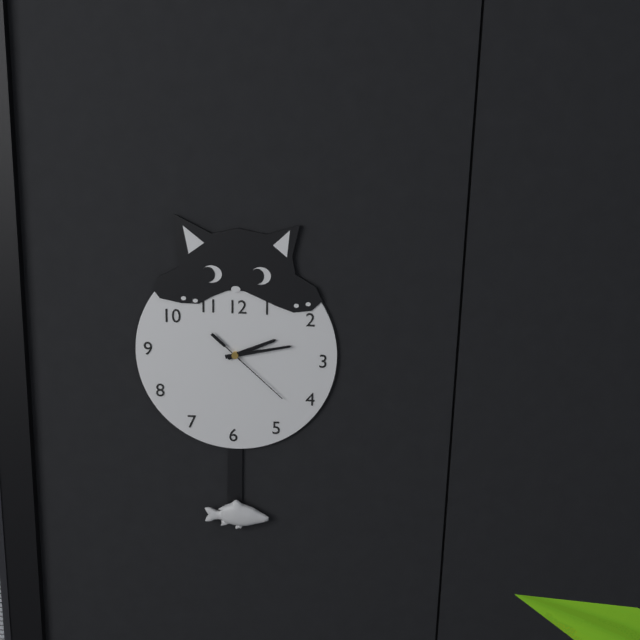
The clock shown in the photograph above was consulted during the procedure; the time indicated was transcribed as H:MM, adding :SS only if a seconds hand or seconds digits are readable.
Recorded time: 2:13:22
